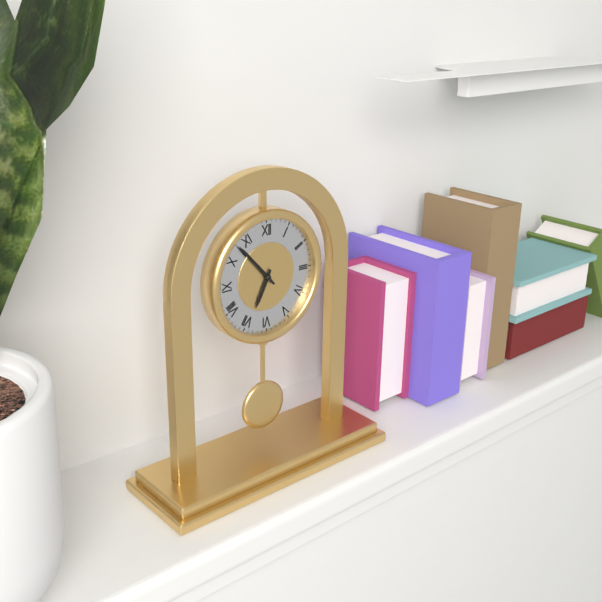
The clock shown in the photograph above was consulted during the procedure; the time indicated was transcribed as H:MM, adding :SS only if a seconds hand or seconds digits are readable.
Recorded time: 6:53
